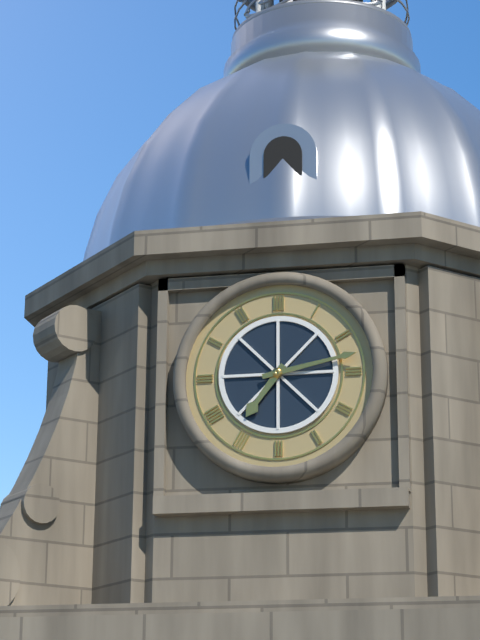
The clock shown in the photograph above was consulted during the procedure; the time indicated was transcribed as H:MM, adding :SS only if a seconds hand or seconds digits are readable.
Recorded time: 7:13
